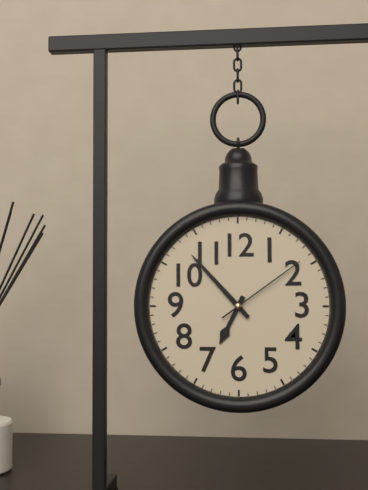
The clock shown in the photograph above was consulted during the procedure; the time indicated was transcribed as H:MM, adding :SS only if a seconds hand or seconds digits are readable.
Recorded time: 6:53:09
